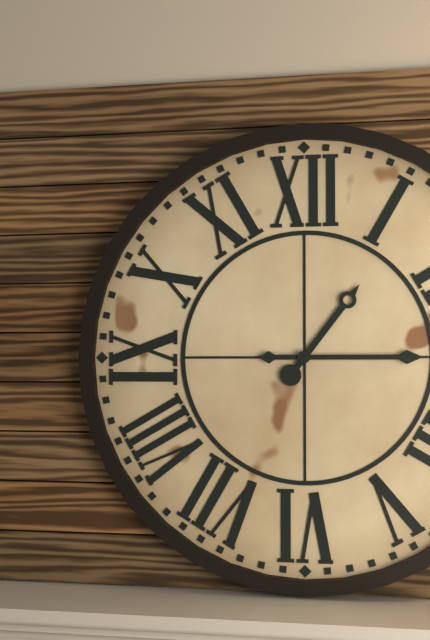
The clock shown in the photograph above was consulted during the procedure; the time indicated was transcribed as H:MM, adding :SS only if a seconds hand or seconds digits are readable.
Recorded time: 1:15
